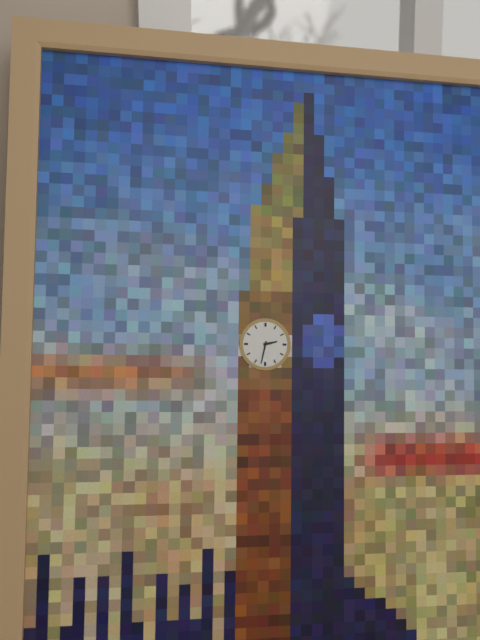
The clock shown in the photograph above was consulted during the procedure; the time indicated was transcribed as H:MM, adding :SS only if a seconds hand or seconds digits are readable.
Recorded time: 2:32
